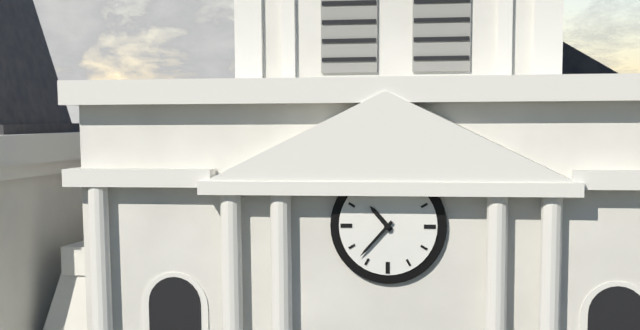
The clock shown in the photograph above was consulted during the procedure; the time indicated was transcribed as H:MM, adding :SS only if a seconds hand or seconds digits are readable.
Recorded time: 10:37
